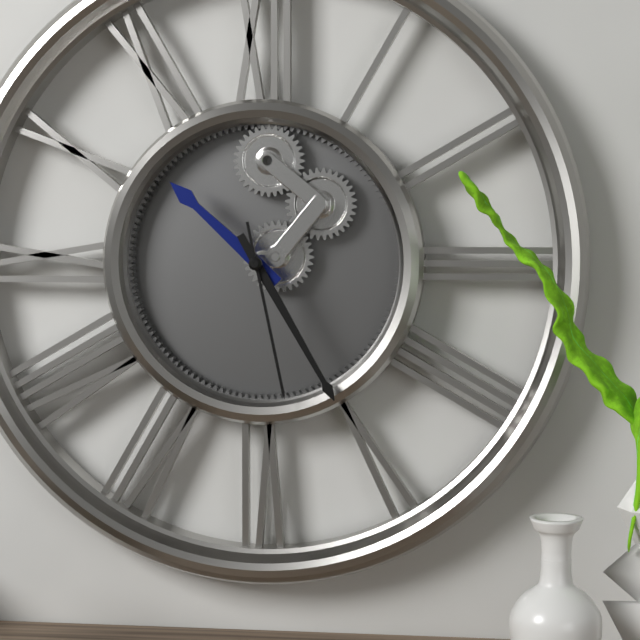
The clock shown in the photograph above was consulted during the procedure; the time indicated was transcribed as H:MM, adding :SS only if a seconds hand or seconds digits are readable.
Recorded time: 10:25:28
